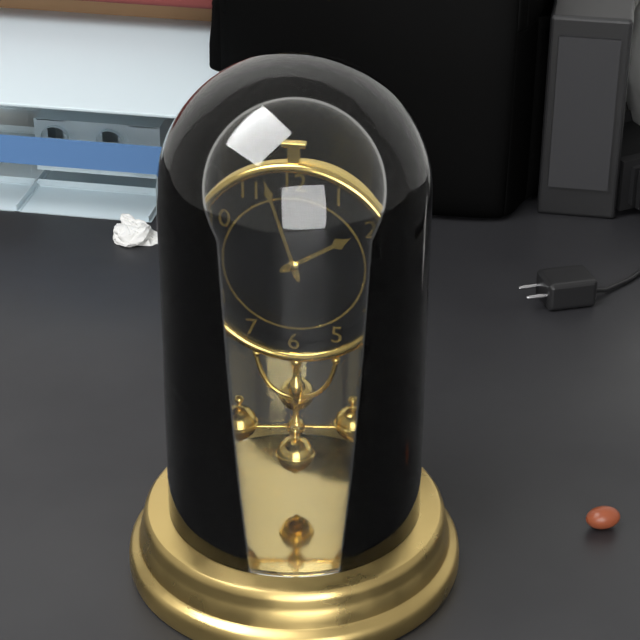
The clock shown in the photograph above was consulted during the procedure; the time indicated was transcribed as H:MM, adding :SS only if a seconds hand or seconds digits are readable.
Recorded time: 1:57
